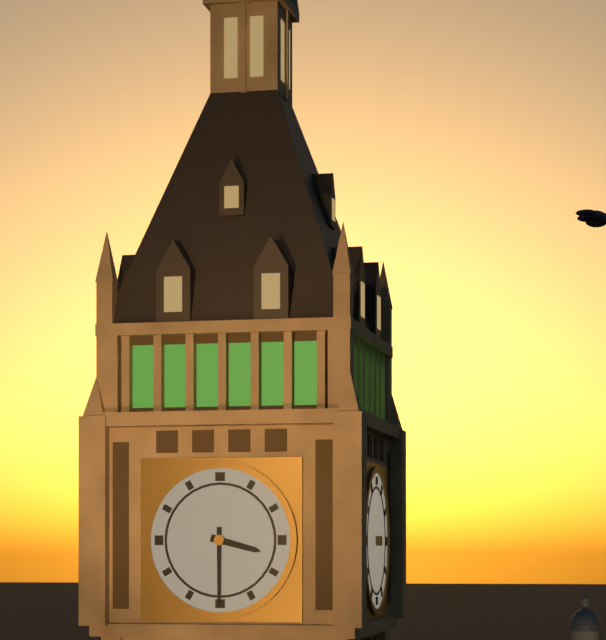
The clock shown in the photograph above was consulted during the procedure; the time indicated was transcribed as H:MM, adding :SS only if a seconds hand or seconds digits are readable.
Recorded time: 3:30
